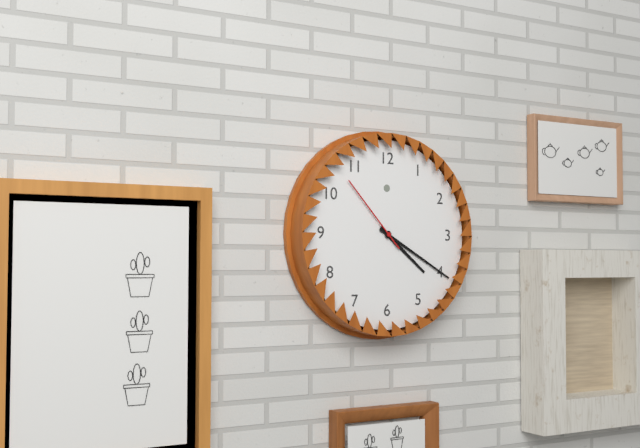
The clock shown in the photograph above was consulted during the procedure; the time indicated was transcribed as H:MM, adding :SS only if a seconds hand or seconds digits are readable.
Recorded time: 4:20:53
